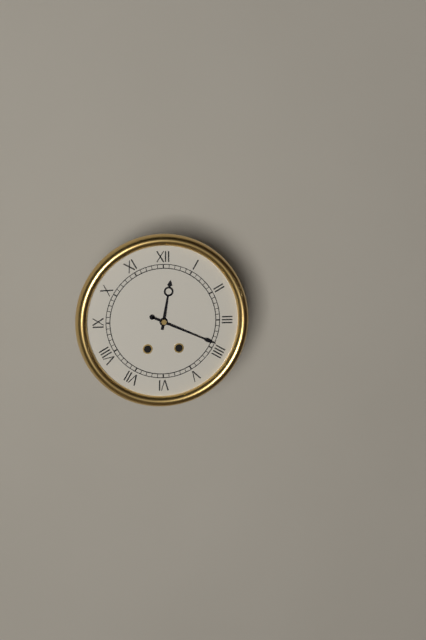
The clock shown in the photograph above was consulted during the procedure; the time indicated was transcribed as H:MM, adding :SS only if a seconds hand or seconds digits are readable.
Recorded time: 12:19
